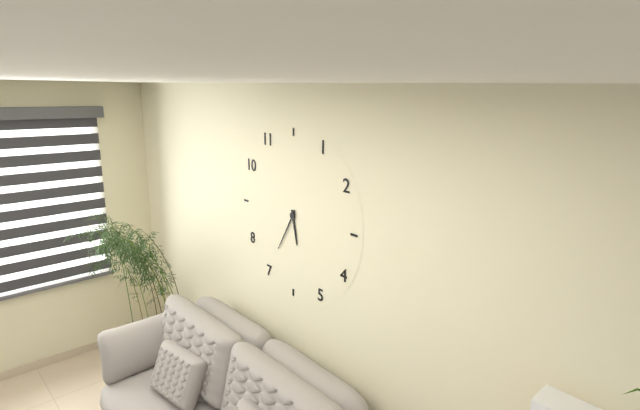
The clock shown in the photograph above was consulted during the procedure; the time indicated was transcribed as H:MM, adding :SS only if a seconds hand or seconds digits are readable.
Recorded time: 5:35
